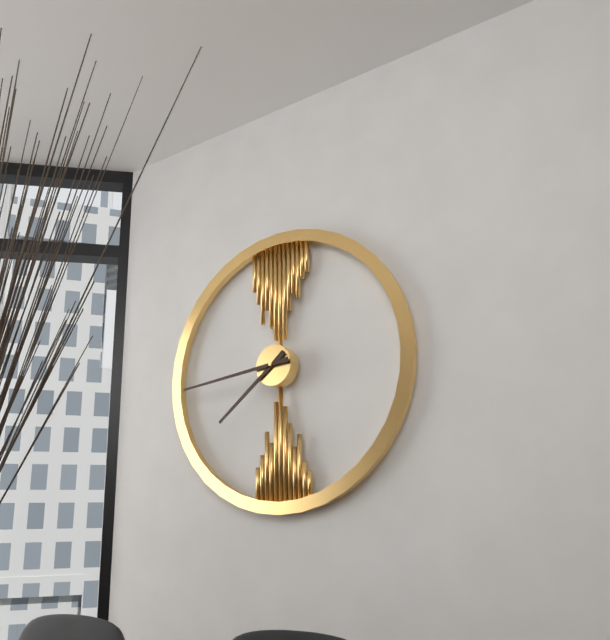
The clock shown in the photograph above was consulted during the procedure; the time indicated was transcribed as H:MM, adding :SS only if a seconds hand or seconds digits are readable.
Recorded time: 7:44
